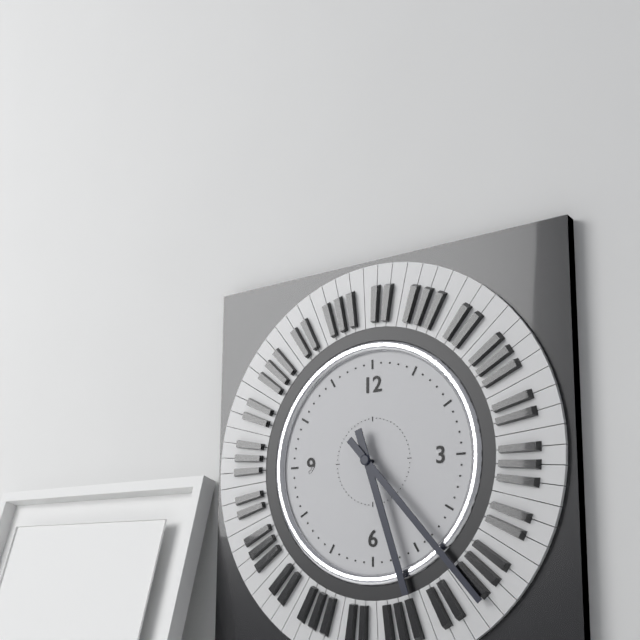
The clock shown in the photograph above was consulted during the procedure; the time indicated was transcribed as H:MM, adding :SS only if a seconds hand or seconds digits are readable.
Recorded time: 5:23
